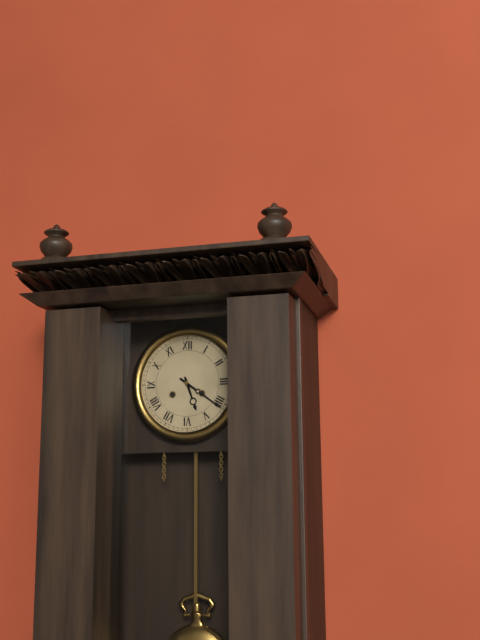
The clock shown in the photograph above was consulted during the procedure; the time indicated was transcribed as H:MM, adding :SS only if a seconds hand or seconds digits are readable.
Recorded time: 5:21
